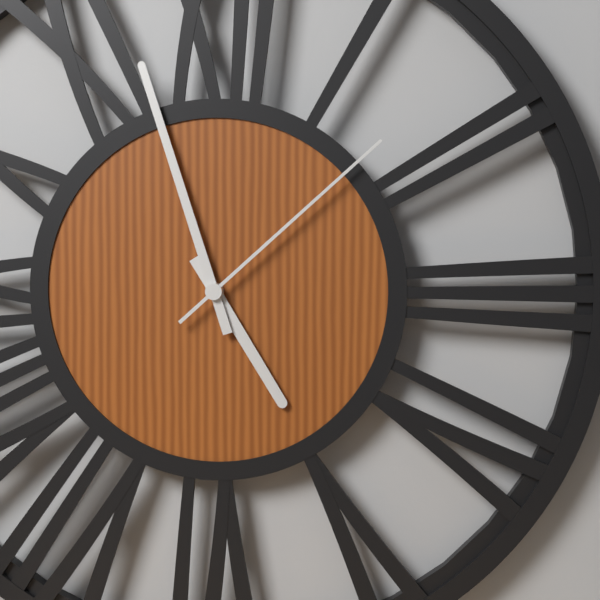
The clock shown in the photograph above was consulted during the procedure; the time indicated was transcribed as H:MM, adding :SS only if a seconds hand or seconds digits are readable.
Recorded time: 4:57:08
